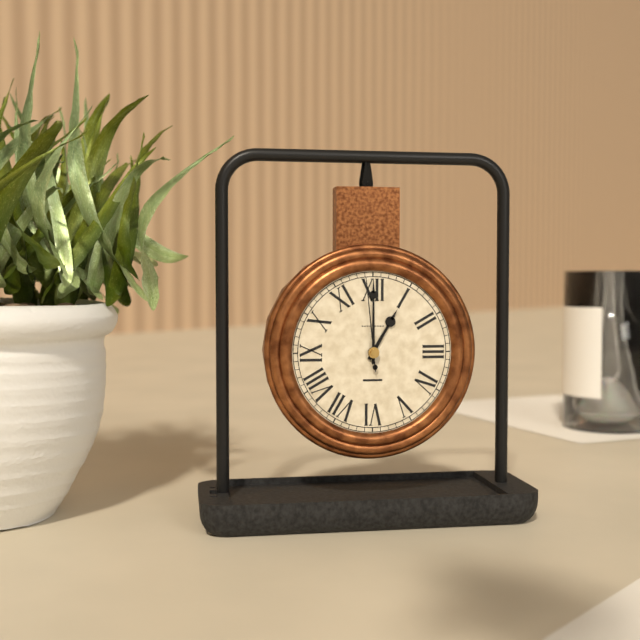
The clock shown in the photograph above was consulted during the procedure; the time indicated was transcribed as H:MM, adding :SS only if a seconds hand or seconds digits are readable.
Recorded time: 1:00:59
